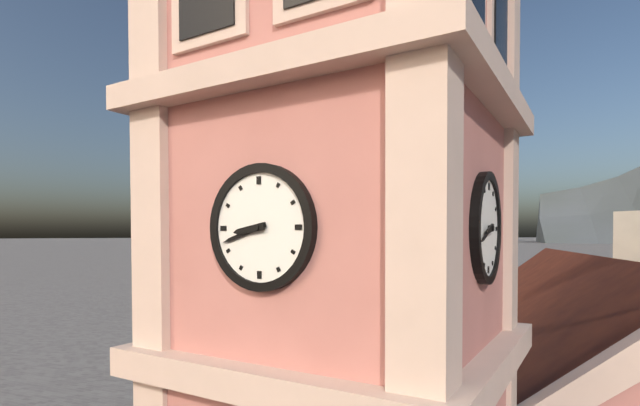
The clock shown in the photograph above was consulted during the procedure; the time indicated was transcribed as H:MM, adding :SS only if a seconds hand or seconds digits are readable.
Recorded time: 8:42
